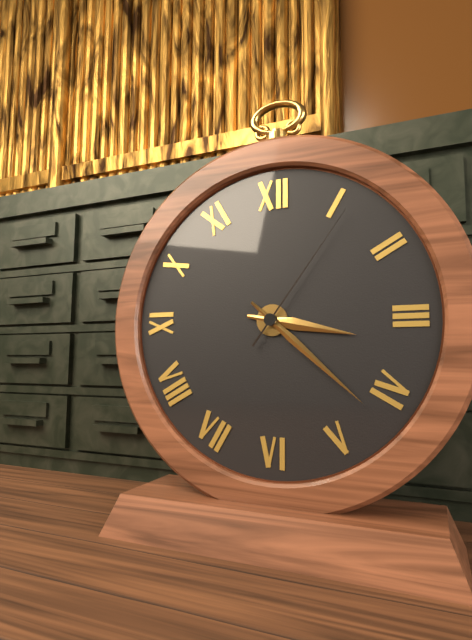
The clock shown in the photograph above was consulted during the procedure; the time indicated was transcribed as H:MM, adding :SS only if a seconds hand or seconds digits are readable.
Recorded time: 3:22:06
